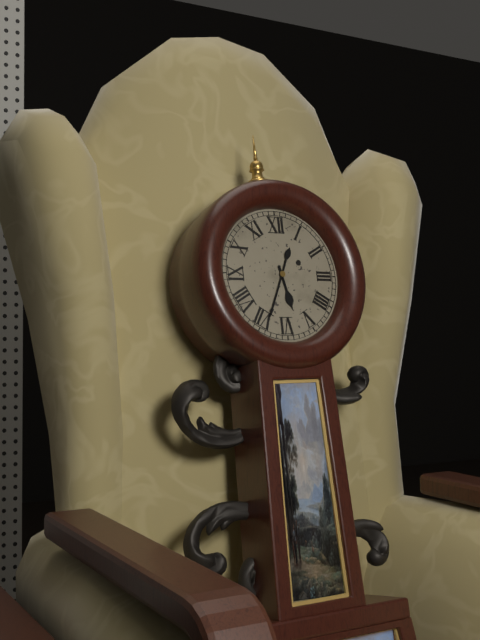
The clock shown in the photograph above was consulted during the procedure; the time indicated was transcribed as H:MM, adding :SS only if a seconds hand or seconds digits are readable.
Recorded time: 5:34
